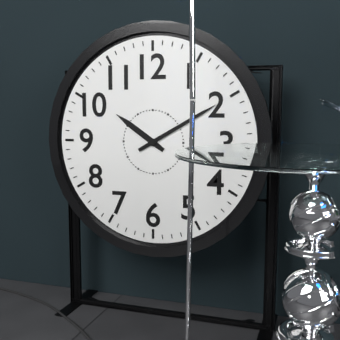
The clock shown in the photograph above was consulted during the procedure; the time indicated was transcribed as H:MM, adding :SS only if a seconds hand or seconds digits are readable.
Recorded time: 10:10
